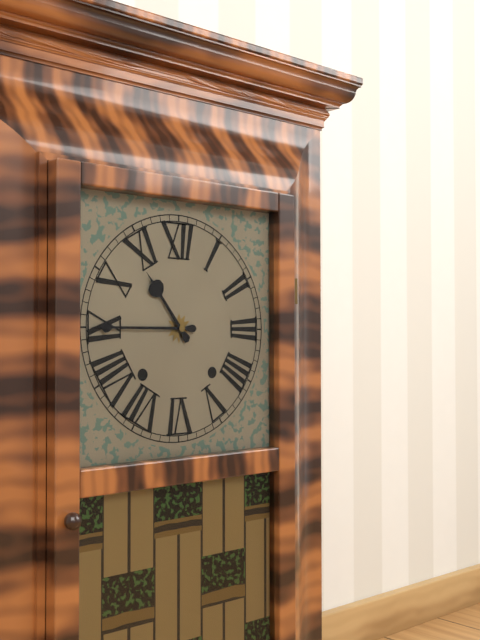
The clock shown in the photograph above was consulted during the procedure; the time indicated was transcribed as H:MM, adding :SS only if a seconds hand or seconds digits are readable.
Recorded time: 10:45
